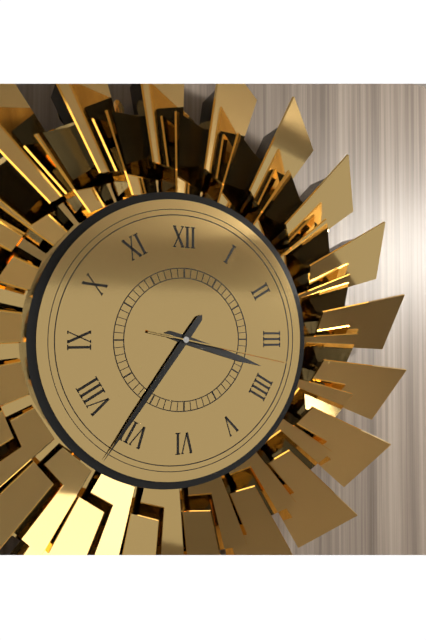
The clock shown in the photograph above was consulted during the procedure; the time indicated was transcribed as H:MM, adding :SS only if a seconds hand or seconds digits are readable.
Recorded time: 3:36:17
